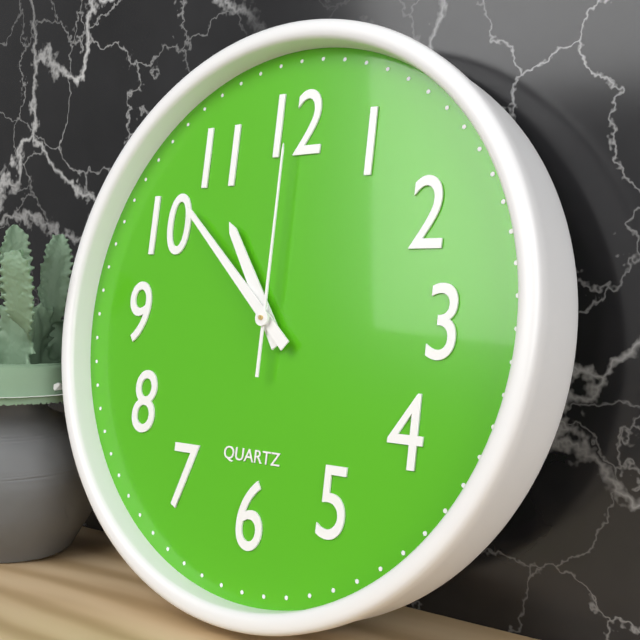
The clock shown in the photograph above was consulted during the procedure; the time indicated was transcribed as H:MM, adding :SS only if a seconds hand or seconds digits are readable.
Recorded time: 10:52:00
